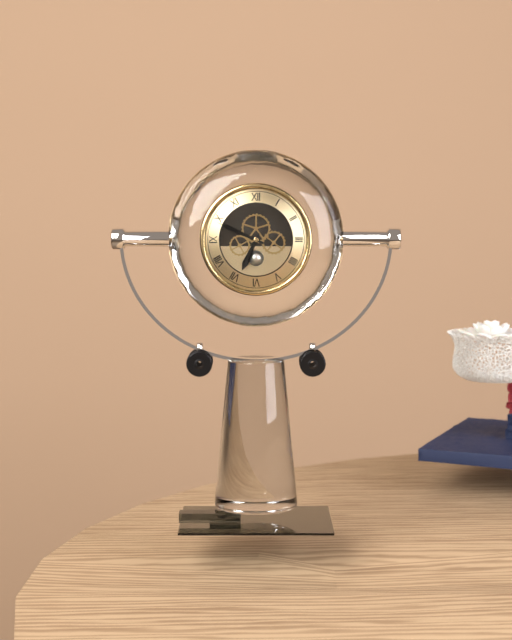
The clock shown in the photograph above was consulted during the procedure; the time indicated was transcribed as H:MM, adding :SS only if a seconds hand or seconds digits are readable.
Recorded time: 6:49
